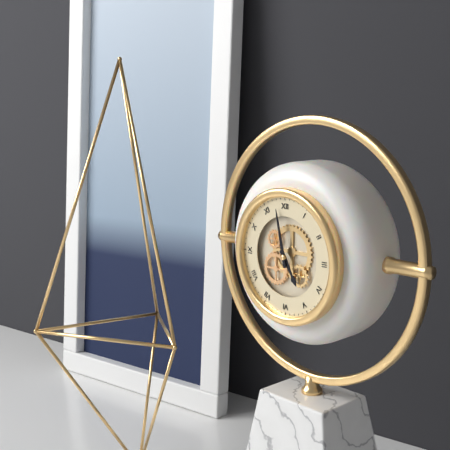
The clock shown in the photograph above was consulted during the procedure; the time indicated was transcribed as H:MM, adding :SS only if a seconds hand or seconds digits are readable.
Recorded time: 4:58
